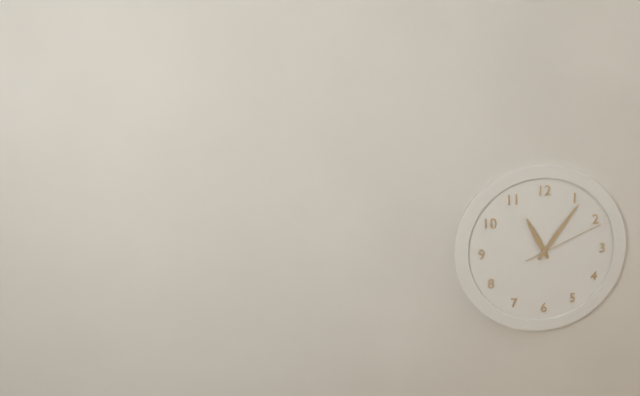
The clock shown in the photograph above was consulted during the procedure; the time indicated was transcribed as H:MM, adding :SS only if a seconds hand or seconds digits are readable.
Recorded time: 11:06:11
